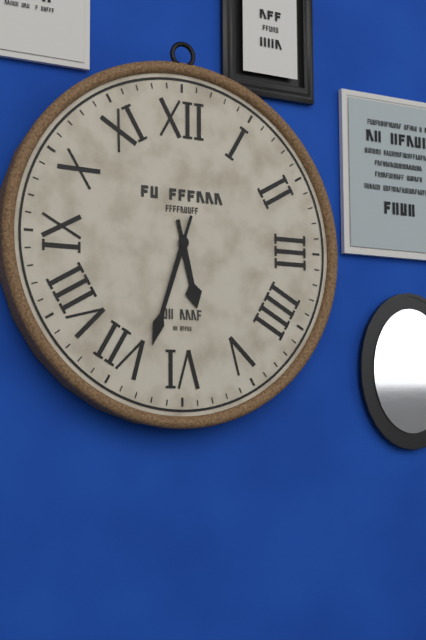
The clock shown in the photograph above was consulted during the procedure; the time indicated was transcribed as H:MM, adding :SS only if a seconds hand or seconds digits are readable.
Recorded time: 5:33
